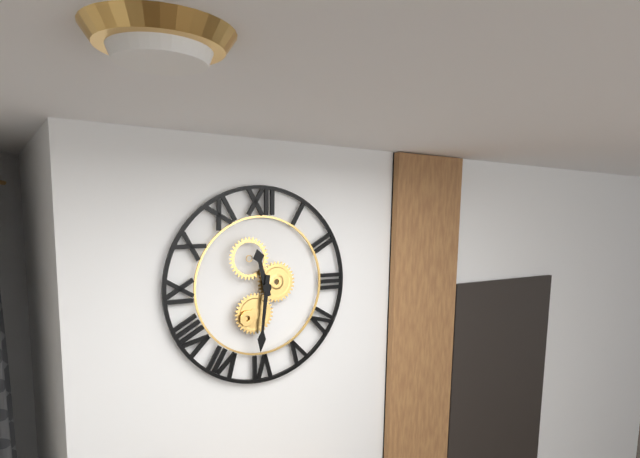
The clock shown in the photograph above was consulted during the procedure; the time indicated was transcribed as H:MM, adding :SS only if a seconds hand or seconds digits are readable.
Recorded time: 11:31
